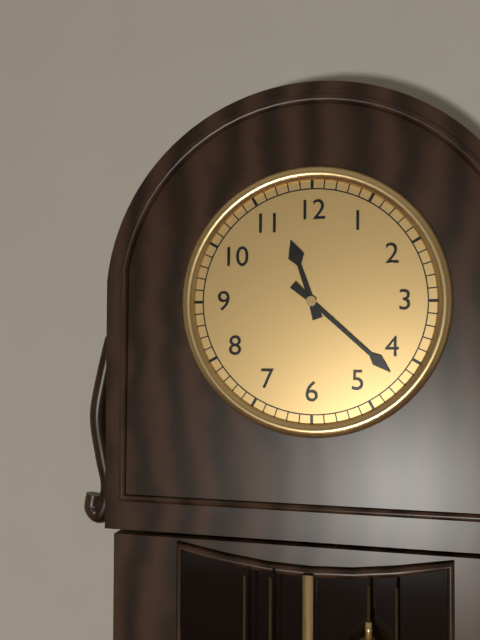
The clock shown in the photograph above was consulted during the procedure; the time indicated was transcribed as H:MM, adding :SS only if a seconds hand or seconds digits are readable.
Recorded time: 11:22
